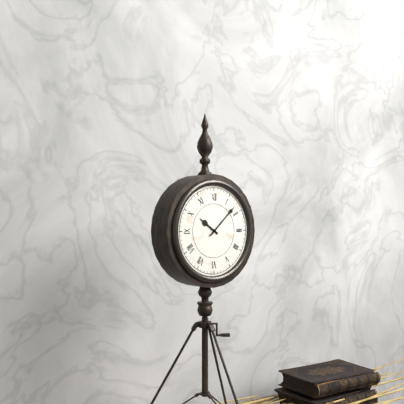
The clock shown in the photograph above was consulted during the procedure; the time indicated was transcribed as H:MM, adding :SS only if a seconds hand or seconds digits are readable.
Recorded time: 10:08
